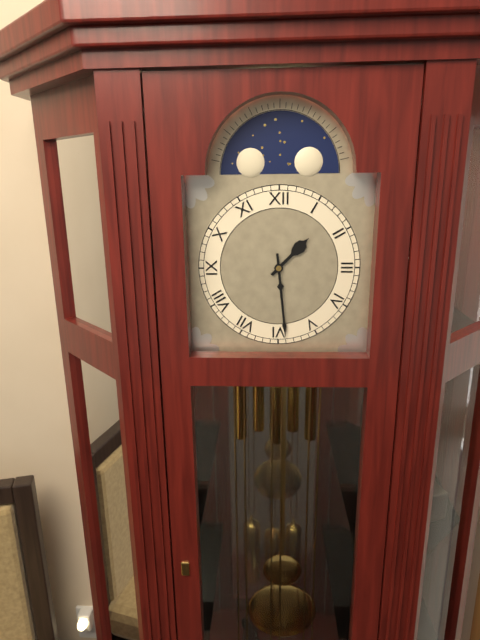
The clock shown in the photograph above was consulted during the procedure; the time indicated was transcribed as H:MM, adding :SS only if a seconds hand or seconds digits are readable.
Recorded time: 1:29
